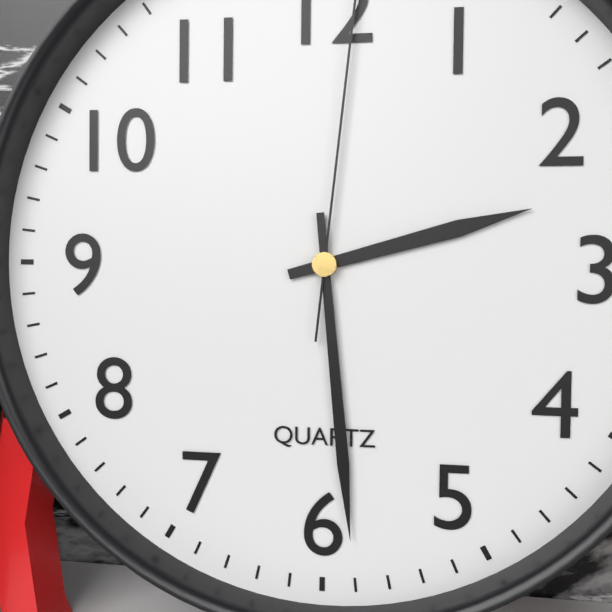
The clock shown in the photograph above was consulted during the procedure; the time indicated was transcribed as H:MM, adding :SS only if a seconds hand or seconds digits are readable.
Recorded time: 2:29
